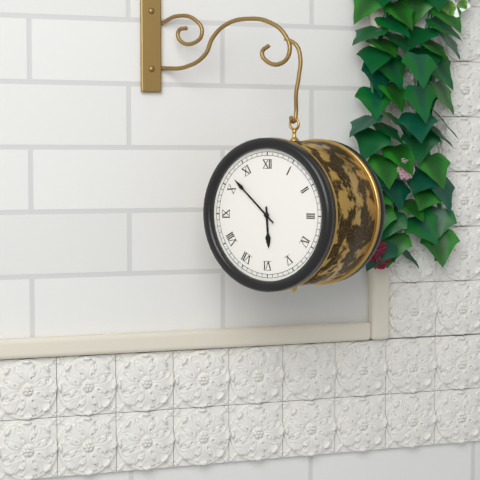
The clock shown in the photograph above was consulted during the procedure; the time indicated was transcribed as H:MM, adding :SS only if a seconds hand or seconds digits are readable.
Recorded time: 5:52
